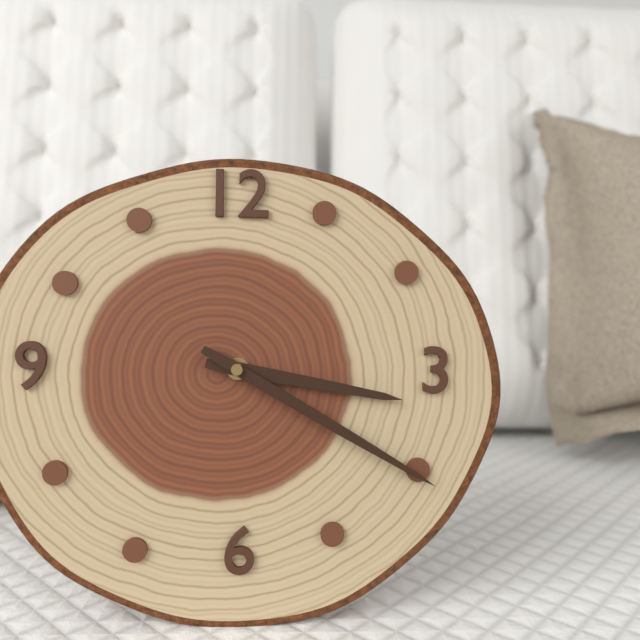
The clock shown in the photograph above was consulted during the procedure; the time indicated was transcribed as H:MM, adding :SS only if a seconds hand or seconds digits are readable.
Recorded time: 3:20
